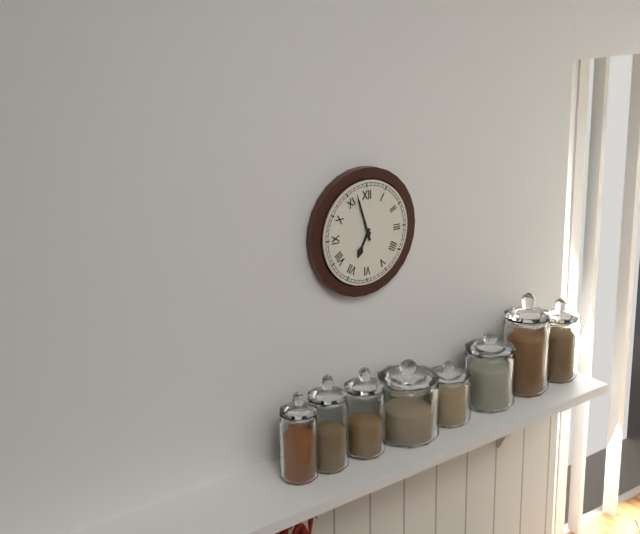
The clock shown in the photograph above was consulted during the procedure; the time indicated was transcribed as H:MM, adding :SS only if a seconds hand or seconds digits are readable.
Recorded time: 6:57
